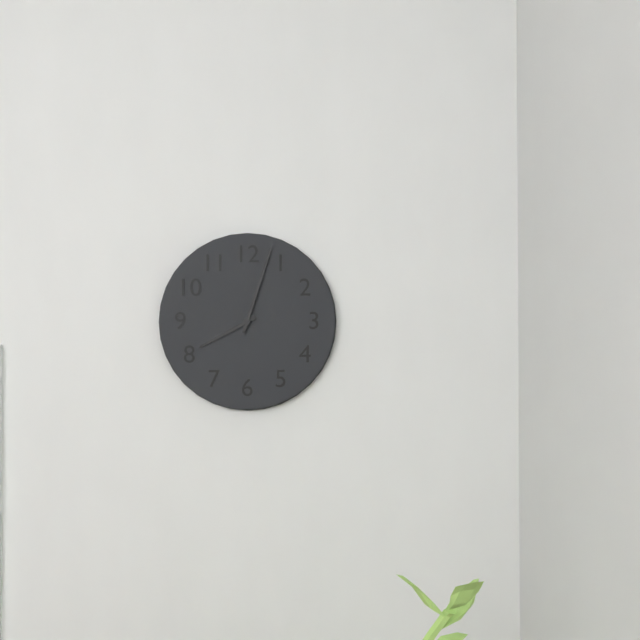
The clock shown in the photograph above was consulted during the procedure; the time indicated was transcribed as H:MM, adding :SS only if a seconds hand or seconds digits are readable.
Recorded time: 8:03
